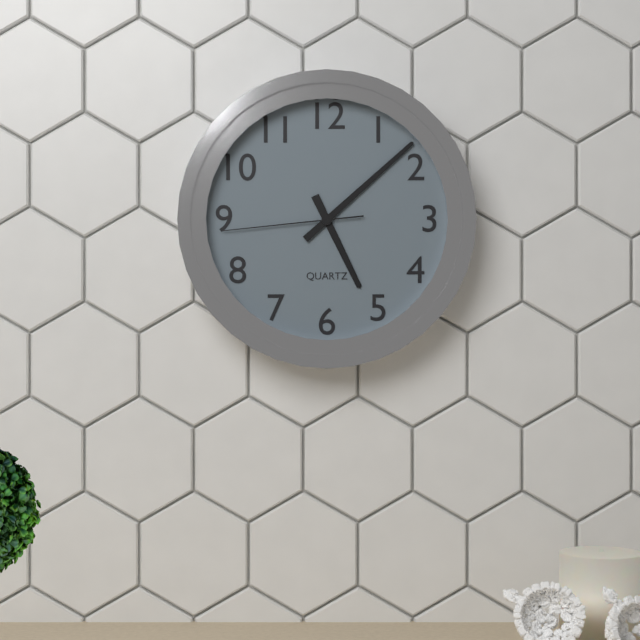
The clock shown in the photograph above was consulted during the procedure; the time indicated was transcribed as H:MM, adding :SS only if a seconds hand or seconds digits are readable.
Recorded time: 5:08:44
